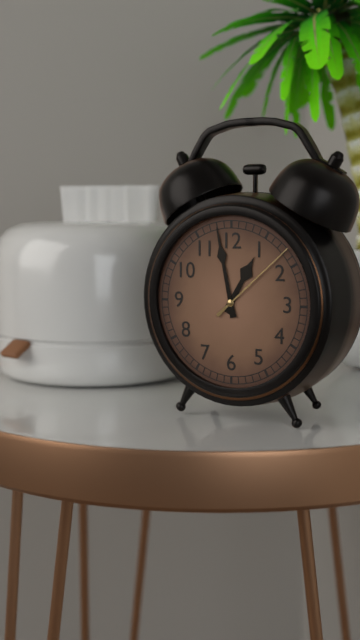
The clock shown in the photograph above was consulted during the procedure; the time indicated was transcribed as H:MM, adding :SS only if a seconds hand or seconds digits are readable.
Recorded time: 12:58:08
